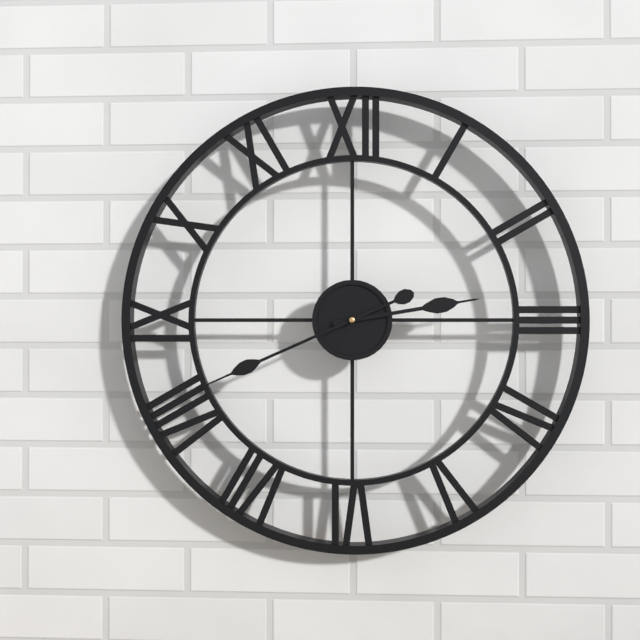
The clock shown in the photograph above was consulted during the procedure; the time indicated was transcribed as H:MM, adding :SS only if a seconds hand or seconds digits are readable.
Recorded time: 2:41
